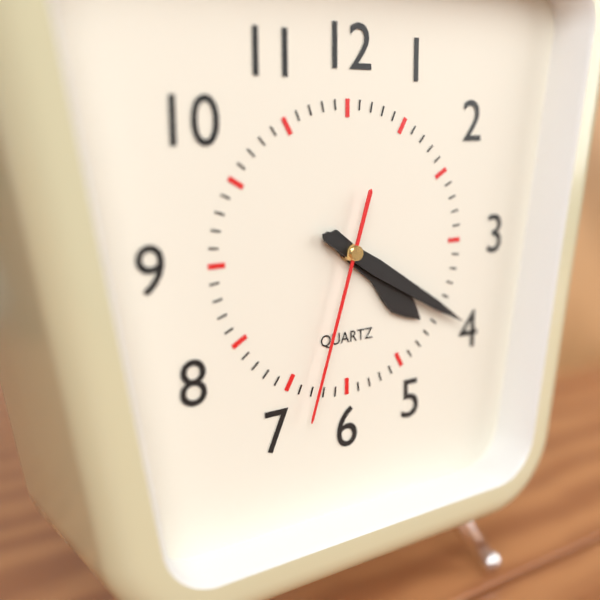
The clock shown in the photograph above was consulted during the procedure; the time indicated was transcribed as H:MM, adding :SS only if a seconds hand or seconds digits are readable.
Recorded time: 4:20:33
